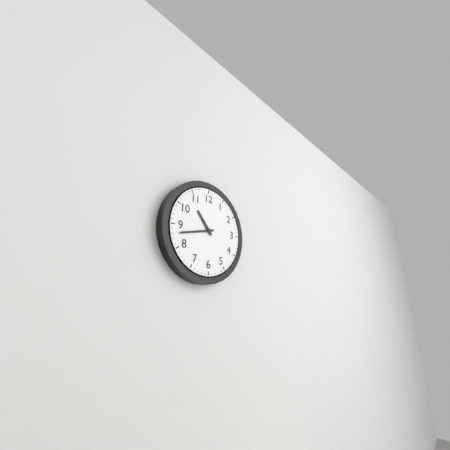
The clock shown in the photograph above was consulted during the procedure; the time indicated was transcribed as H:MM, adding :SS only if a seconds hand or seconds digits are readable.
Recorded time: 10:43
